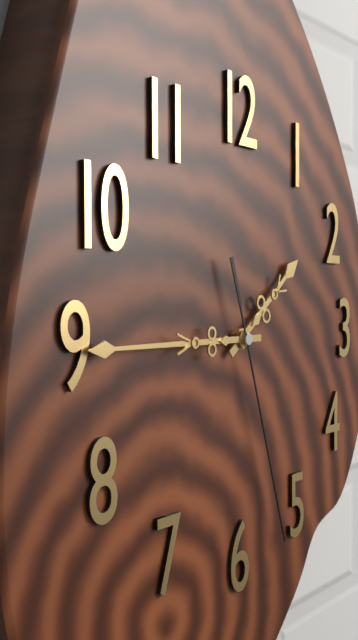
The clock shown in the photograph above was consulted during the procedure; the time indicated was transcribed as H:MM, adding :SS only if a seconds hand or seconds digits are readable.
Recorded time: 1:45:27
